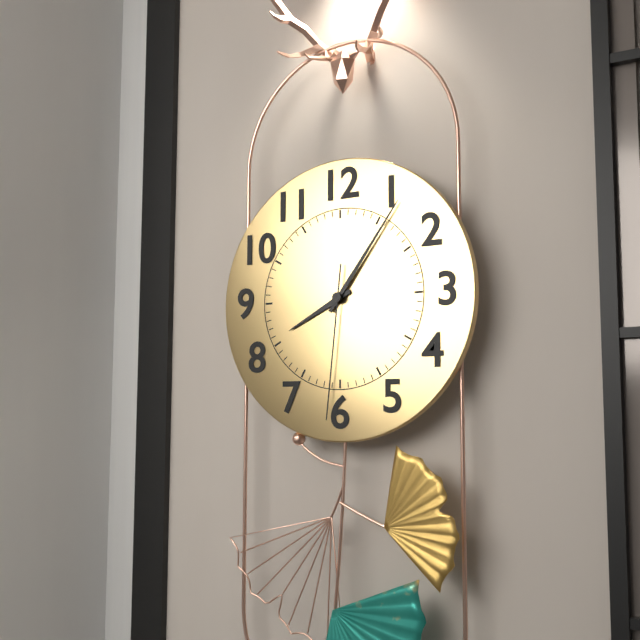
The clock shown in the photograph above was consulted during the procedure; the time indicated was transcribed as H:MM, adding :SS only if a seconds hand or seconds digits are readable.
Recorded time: 8:06:31
